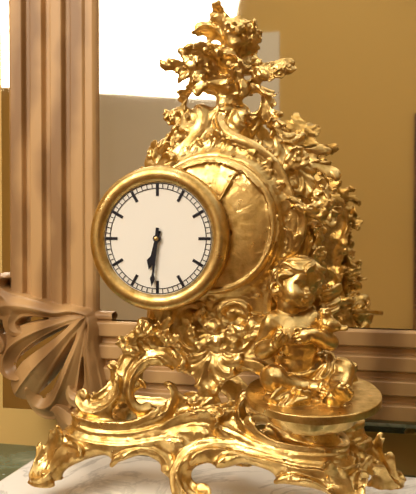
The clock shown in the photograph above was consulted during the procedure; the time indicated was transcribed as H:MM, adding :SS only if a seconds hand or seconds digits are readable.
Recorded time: 6:31
